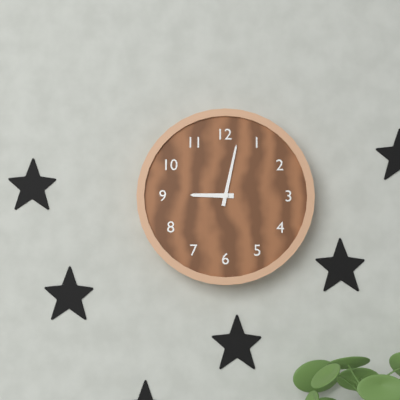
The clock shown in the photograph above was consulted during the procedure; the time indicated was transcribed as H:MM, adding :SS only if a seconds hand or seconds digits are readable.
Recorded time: 9:02
